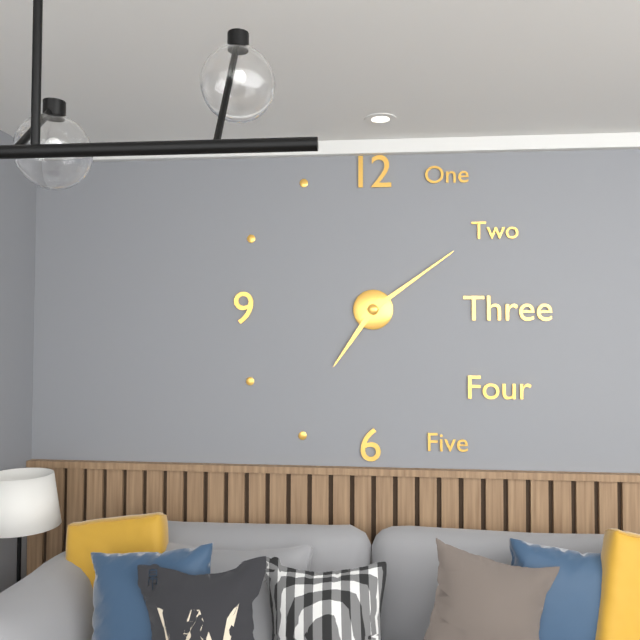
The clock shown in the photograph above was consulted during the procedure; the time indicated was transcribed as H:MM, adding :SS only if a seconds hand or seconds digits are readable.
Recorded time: 7:09
